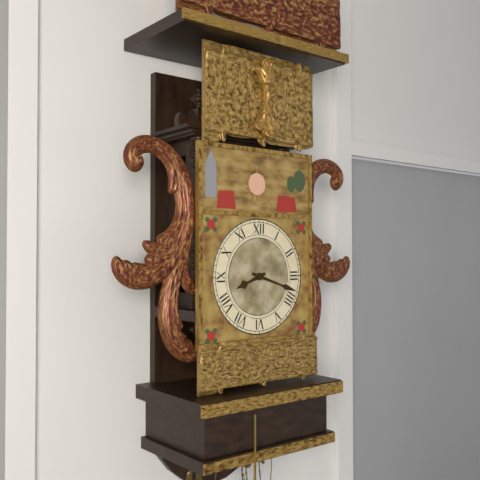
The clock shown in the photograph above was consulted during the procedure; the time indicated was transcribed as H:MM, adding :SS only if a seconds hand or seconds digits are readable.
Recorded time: 8:18
